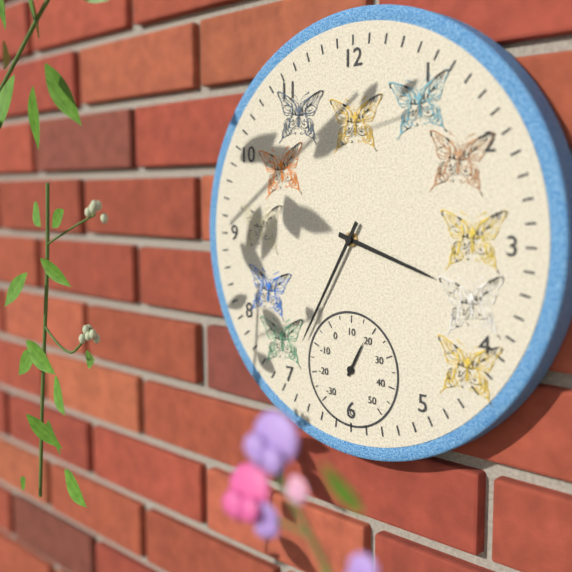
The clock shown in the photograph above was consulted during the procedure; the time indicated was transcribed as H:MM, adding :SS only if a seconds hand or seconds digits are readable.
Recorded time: 3:35
